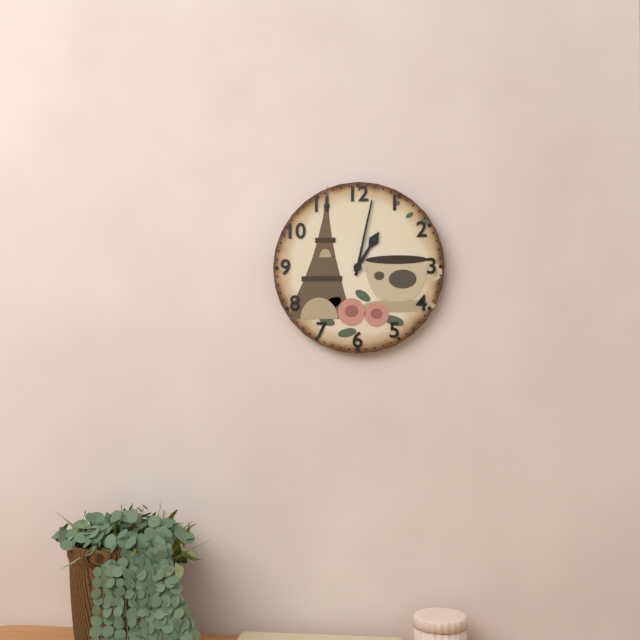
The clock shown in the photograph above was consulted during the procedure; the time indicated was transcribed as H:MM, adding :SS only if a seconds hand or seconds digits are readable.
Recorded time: 1:02
